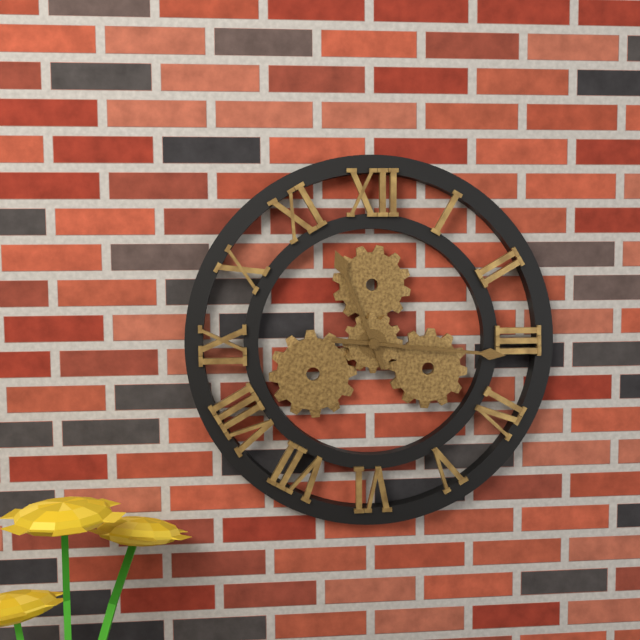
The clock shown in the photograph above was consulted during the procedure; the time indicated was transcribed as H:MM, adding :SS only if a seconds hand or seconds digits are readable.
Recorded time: 11:16
